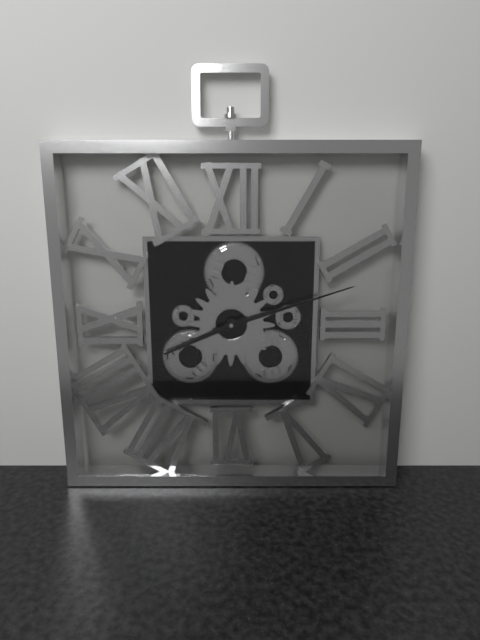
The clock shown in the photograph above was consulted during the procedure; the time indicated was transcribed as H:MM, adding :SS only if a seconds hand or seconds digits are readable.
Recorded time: 8:12
